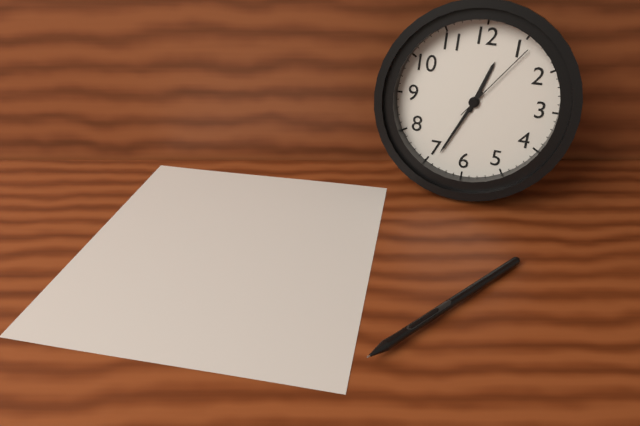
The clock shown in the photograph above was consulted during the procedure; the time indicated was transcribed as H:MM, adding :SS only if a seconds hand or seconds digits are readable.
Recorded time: 12:34:06
